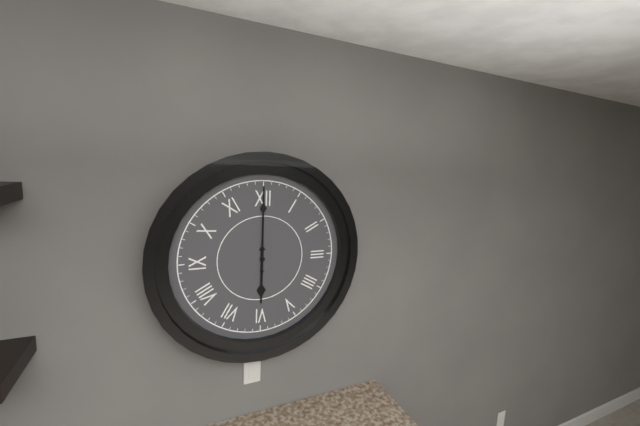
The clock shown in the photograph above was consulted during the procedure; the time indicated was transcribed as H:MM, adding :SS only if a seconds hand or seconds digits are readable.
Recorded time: 6:00
